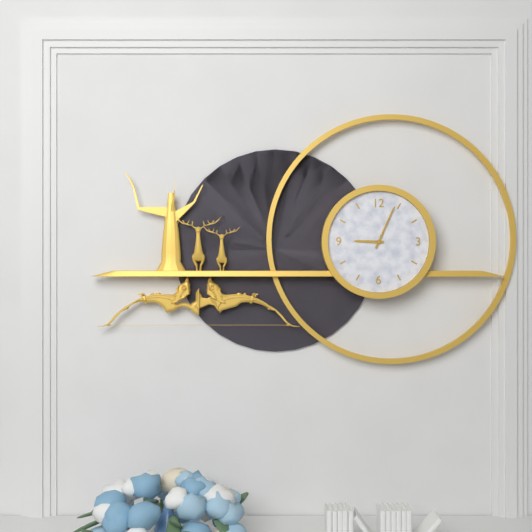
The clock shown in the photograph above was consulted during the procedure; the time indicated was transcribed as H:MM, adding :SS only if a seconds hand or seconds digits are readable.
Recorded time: 9:04
